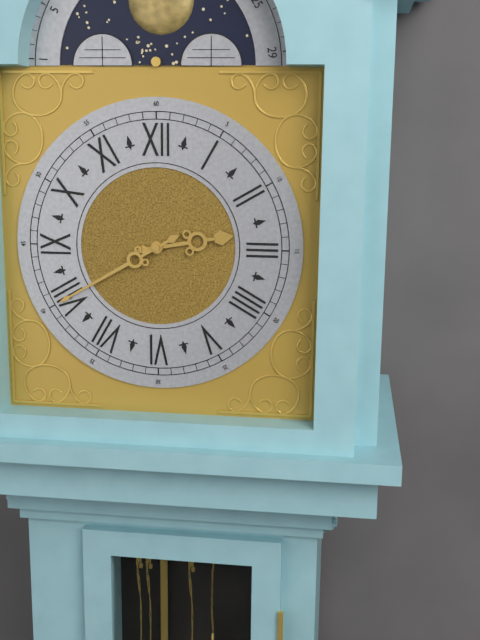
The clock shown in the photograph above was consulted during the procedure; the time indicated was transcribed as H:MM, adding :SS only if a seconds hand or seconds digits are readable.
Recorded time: 2:40
